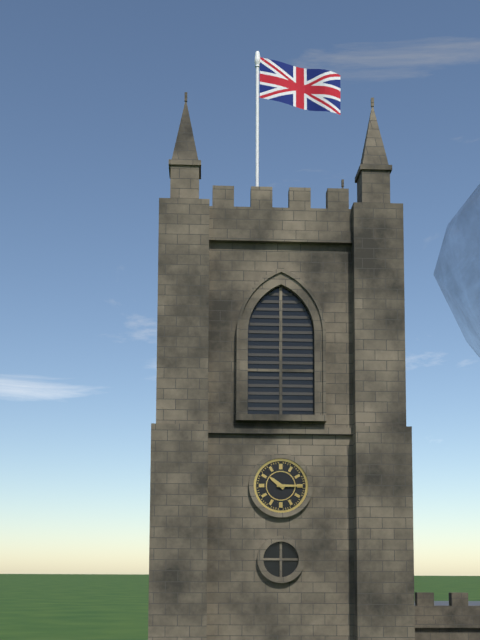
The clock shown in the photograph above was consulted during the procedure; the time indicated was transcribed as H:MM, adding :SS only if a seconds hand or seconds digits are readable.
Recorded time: 10:15
